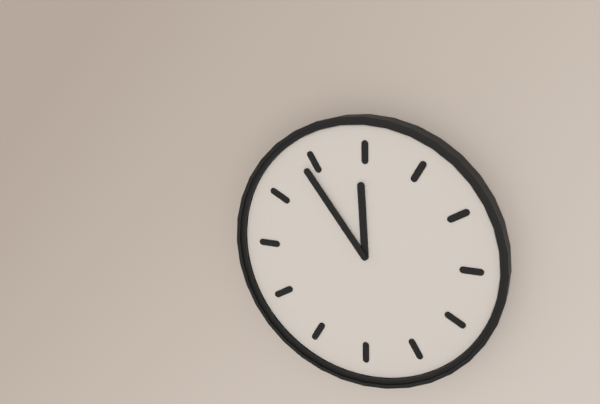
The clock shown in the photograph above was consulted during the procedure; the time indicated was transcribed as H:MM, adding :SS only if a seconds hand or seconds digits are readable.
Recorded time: 11:54
